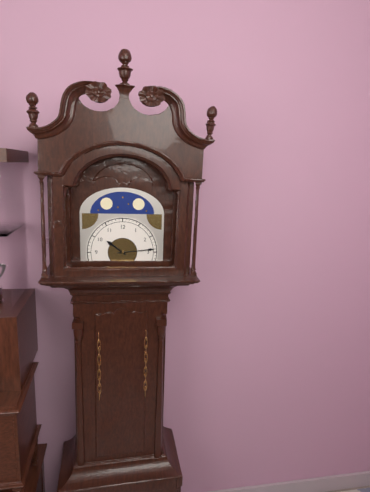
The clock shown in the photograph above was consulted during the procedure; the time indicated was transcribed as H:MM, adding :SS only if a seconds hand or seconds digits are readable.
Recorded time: 10:14
